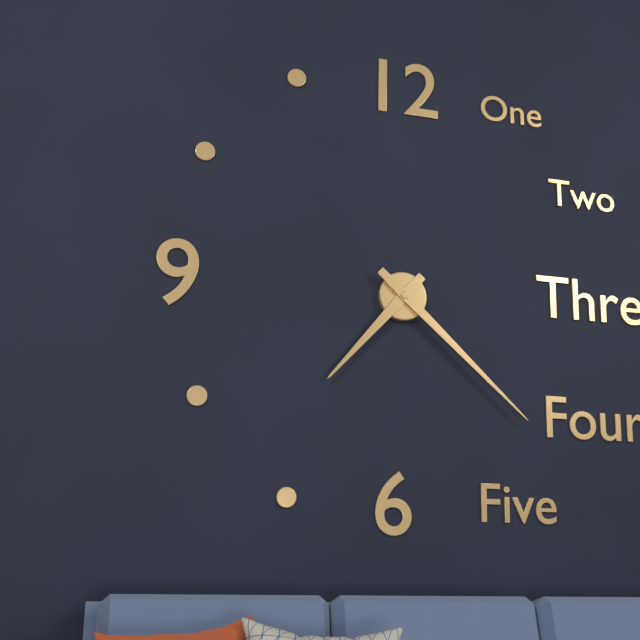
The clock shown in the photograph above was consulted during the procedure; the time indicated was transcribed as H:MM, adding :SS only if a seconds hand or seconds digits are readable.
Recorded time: 7:22
